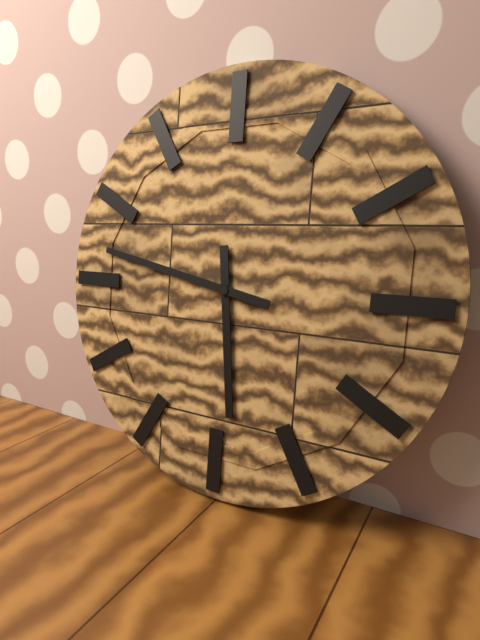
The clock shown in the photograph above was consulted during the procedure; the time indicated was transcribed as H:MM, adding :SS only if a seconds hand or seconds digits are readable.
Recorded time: 5:47
